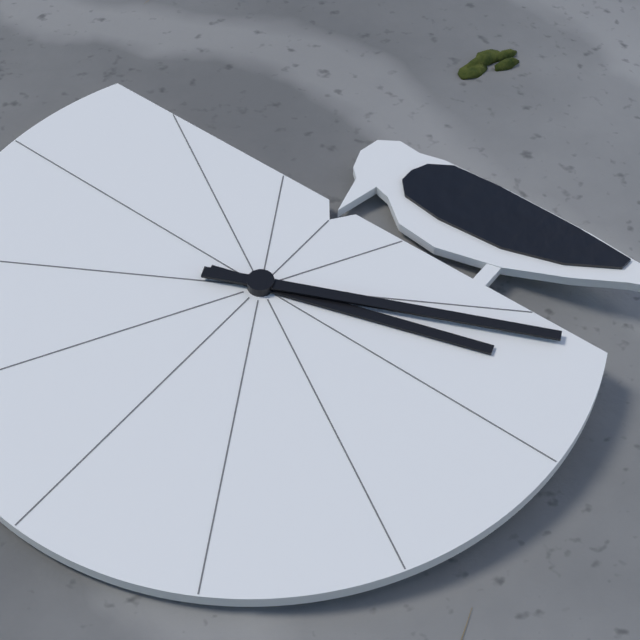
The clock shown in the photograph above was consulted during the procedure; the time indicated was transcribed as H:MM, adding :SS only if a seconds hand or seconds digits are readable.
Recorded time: 5:26
